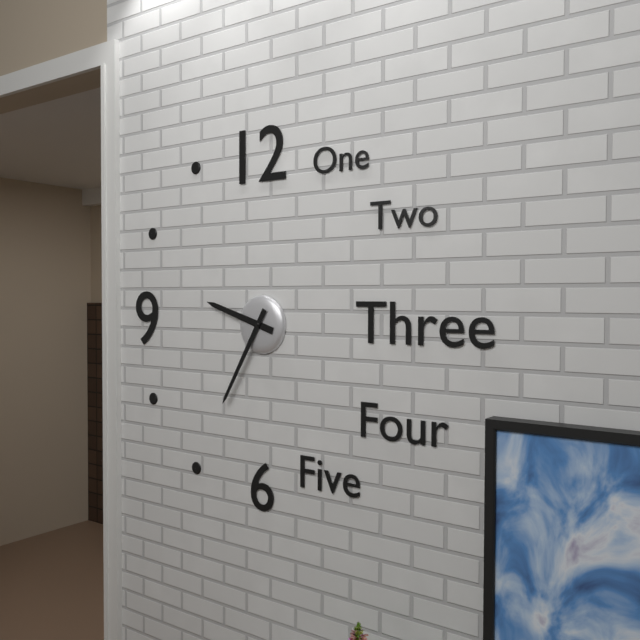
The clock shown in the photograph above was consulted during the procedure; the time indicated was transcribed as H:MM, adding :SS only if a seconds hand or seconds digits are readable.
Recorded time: 9:35
